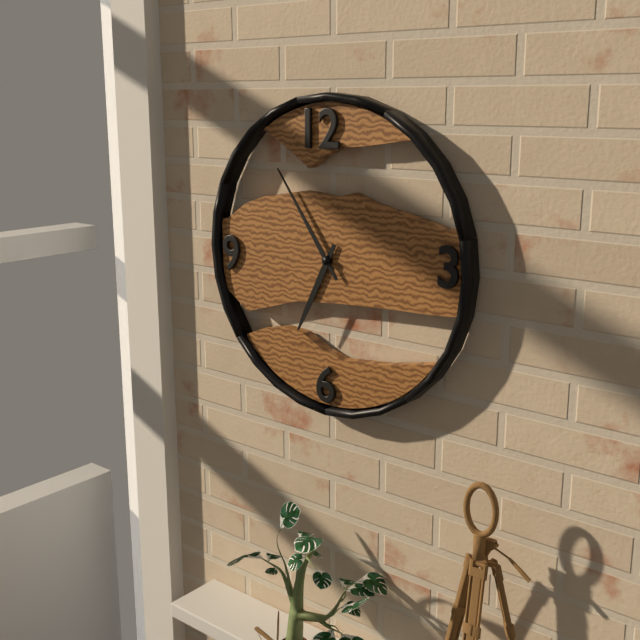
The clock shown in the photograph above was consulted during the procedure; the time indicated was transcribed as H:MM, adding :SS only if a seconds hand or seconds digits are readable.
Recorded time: 6:54
